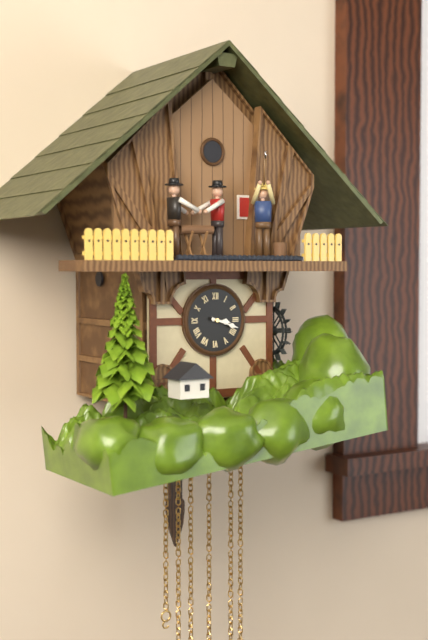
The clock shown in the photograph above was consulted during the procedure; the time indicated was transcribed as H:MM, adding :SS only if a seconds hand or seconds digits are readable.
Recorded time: 3:18
